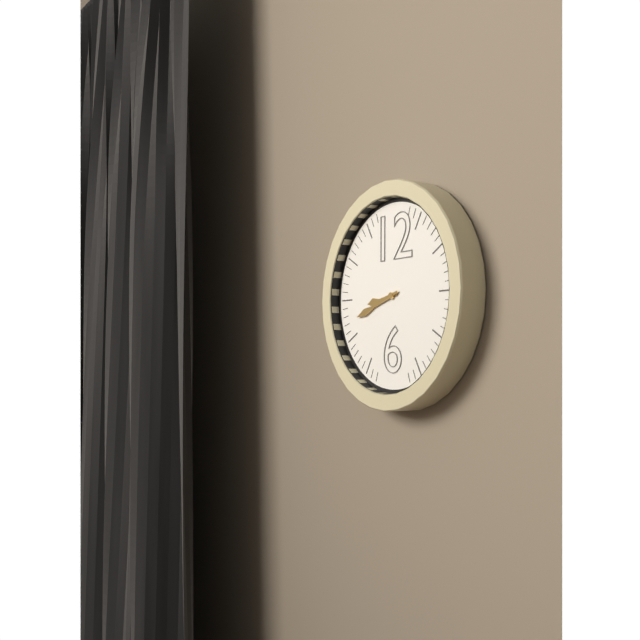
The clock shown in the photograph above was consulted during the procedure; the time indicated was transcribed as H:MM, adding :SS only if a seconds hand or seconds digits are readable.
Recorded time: 8:42
